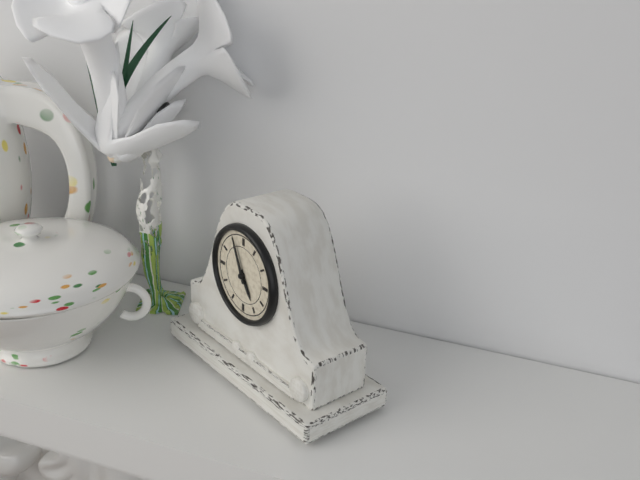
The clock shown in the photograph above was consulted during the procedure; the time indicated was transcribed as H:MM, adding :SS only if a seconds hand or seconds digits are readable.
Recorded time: 4:56
